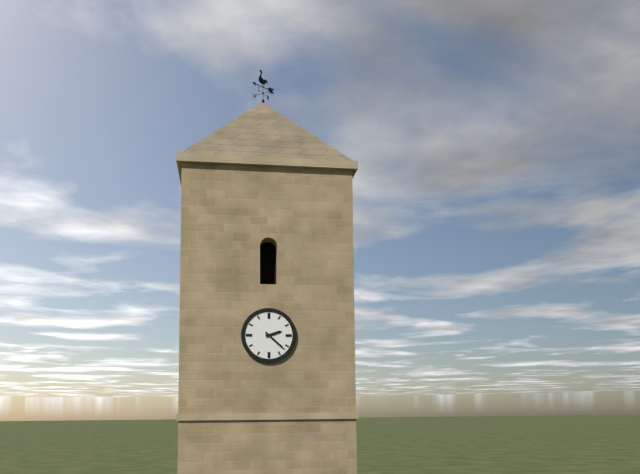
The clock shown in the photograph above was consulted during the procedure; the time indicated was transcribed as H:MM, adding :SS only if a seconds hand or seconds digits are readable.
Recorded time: 2:22
